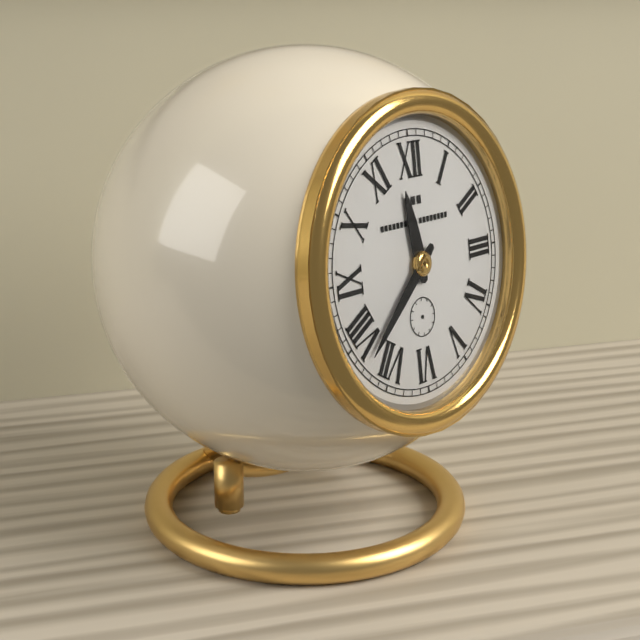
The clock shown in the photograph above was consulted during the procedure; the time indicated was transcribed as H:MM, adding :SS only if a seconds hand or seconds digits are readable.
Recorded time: 11:38
